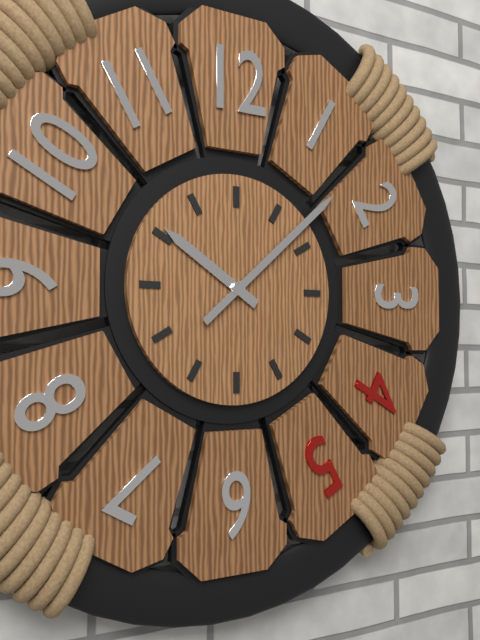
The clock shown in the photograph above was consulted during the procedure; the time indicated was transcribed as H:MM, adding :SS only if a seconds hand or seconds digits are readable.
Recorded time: 10:08
